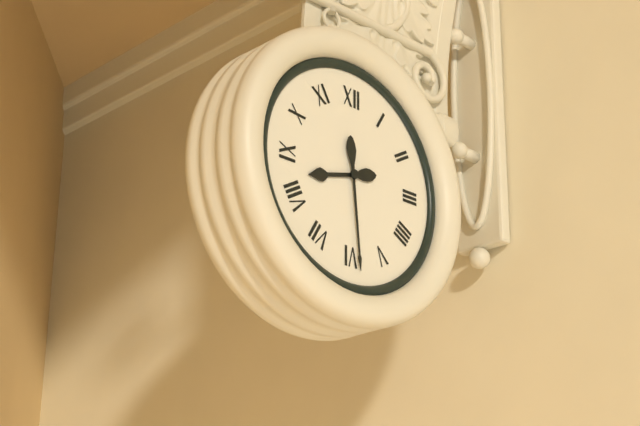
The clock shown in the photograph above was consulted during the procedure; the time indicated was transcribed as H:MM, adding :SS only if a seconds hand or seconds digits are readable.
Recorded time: 8:29
